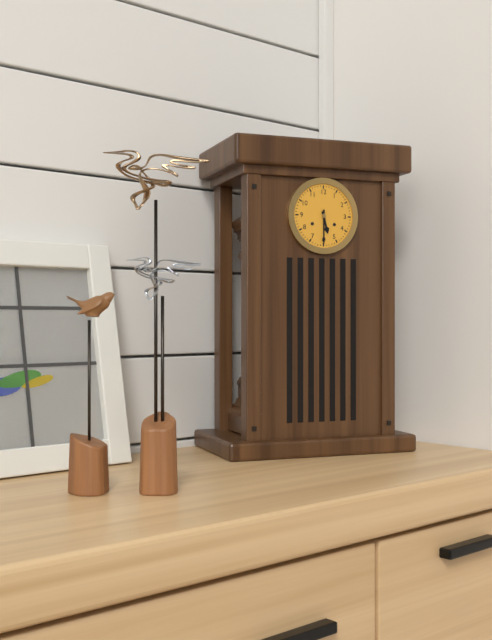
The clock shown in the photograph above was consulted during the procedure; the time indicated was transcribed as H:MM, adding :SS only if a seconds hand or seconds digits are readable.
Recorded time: 5:30
